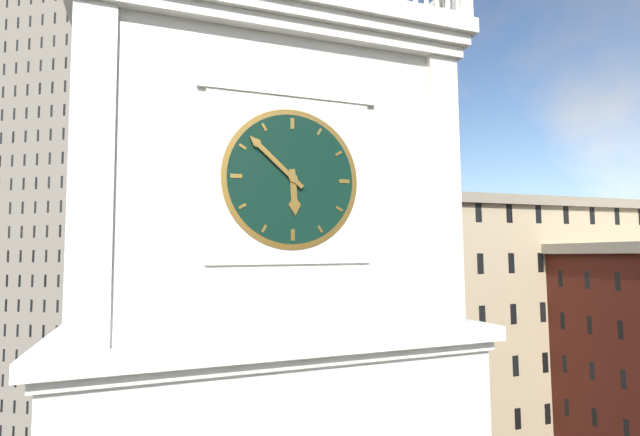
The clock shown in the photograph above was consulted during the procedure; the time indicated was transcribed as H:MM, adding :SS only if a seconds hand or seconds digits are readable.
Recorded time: 5:52
